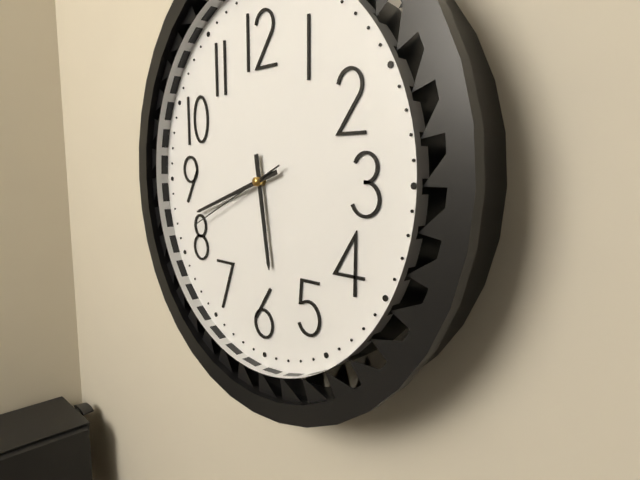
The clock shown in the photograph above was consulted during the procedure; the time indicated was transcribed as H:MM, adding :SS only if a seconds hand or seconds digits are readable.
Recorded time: 5:42:41
